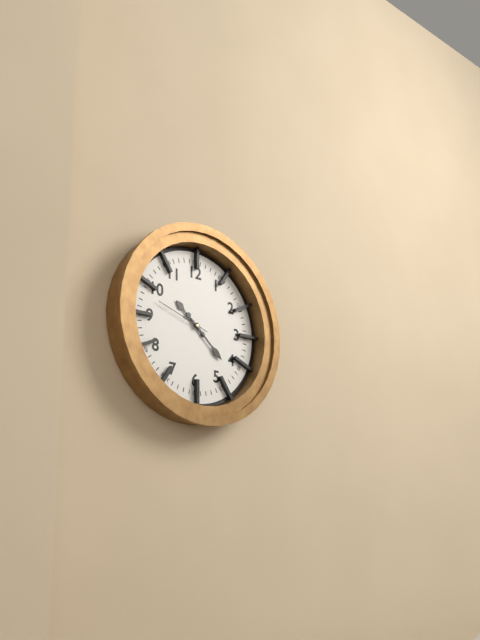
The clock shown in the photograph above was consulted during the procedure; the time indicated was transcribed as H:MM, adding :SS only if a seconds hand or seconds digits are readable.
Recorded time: 10:22:48
